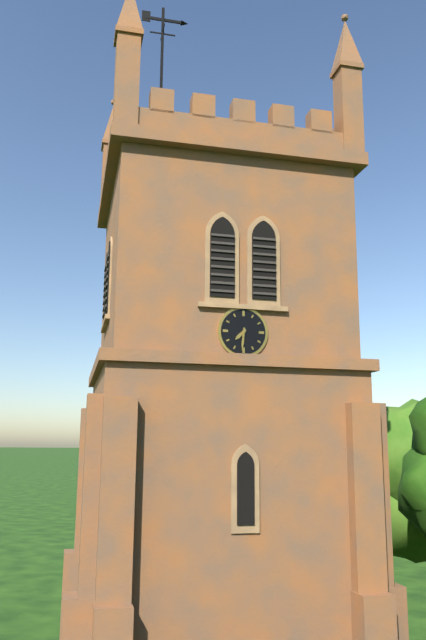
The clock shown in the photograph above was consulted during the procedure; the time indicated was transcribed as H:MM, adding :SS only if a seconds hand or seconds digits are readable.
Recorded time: 7:31
